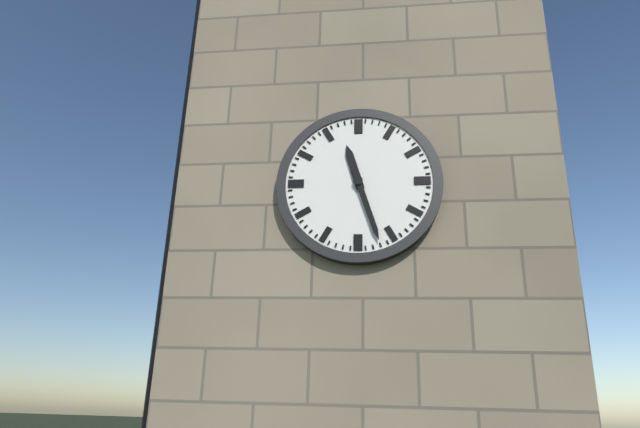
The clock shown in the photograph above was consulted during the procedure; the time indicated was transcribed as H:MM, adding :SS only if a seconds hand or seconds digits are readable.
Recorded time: 11:27
